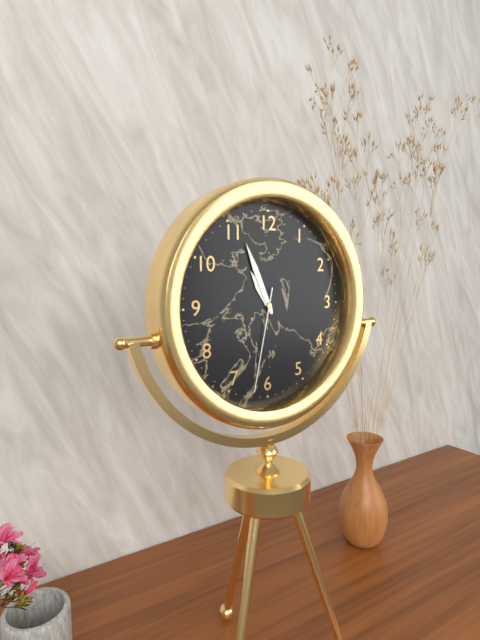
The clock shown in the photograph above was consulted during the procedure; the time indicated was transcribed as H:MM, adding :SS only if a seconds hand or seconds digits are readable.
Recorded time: 10:56:32
